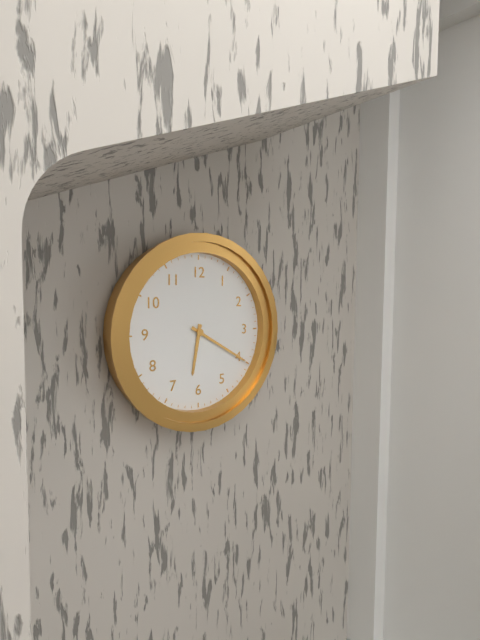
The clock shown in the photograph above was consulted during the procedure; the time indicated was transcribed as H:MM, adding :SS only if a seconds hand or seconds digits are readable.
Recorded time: 6:20
